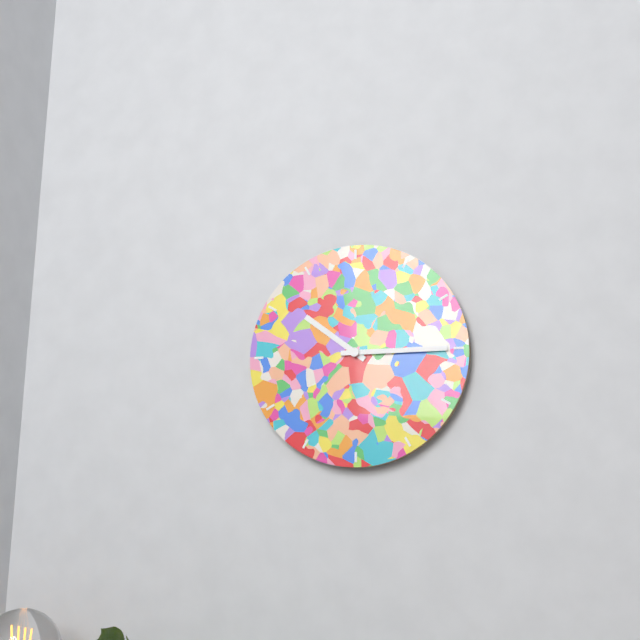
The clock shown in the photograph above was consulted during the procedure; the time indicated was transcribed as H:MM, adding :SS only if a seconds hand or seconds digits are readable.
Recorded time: 10:15
